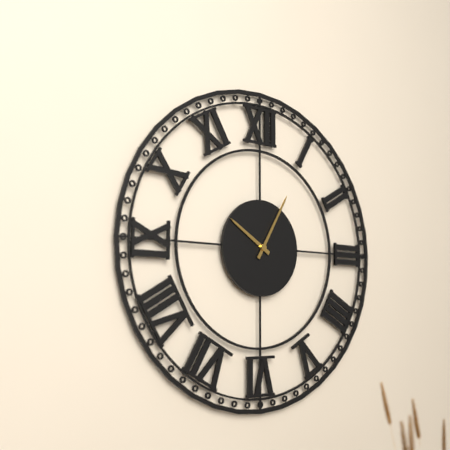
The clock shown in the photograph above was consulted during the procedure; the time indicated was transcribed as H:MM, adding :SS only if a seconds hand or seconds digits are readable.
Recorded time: 10:05
